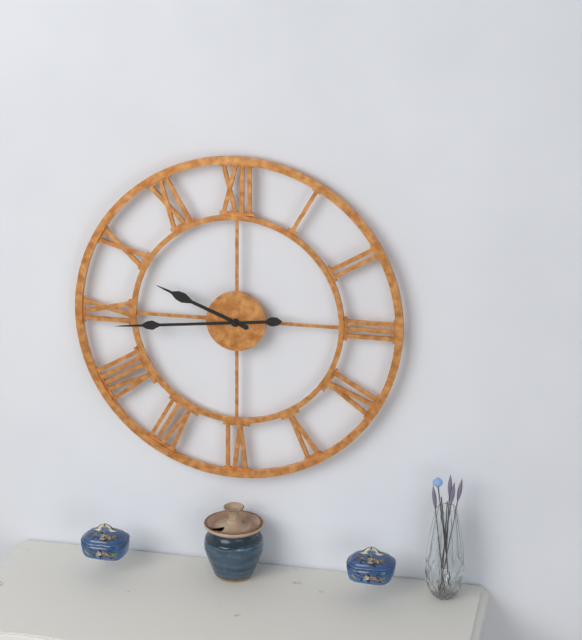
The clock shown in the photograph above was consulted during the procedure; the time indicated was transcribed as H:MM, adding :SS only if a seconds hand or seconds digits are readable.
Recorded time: 9:44
